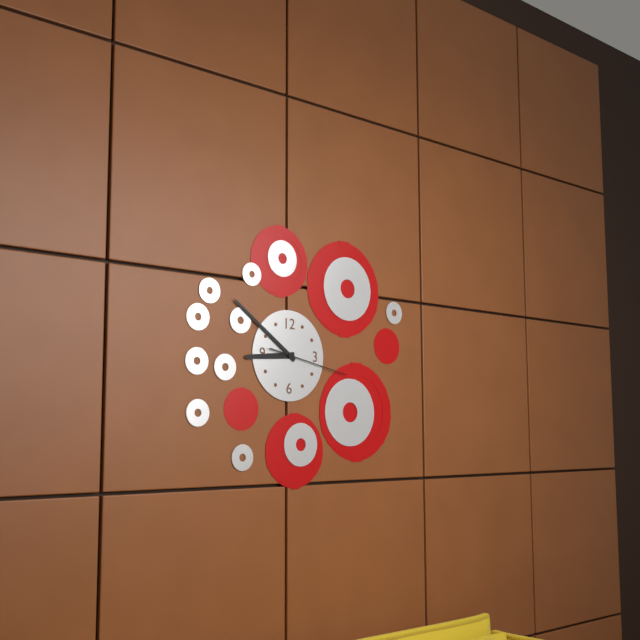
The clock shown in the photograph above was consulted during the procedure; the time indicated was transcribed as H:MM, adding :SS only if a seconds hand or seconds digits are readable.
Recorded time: 8:51:17
